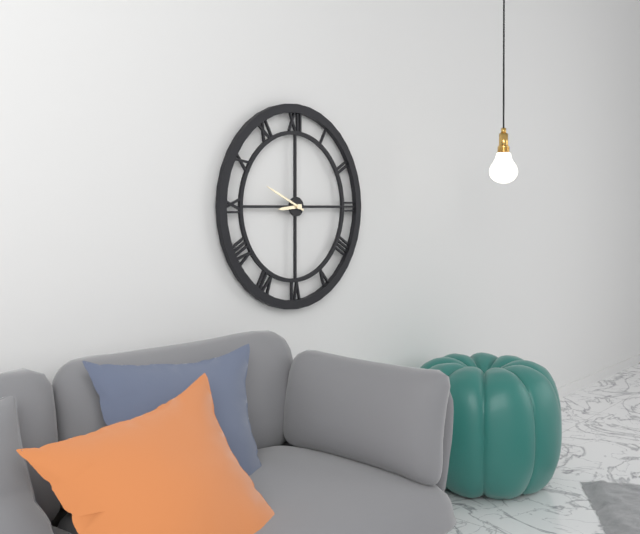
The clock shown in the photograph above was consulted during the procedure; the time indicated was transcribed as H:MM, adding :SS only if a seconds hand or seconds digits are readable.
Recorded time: 8:49
